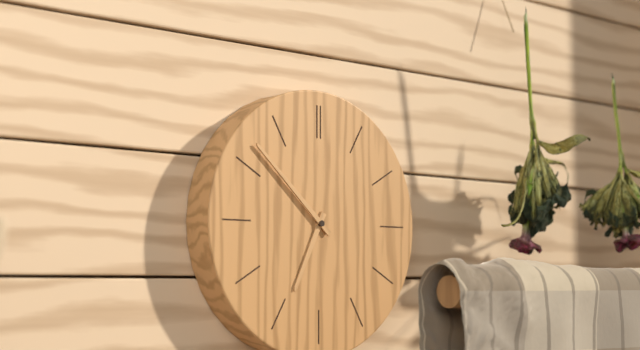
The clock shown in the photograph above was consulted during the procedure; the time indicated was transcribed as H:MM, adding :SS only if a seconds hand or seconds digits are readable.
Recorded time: 6:52
